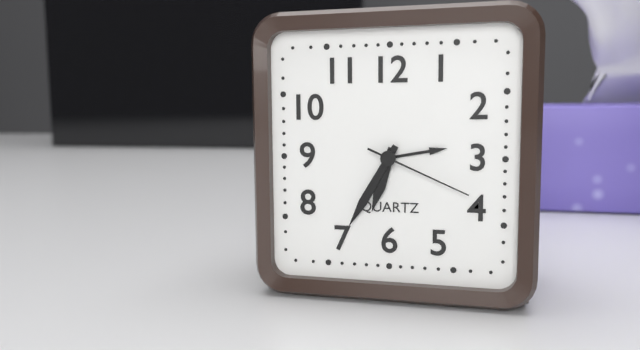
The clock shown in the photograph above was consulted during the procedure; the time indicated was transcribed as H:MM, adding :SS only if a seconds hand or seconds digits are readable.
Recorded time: 6:35:19
